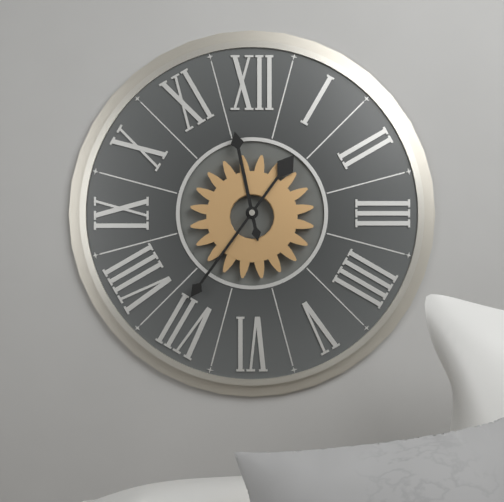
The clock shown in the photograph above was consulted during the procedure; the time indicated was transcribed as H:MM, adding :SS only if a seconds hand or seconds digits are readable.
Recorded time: 11:36
